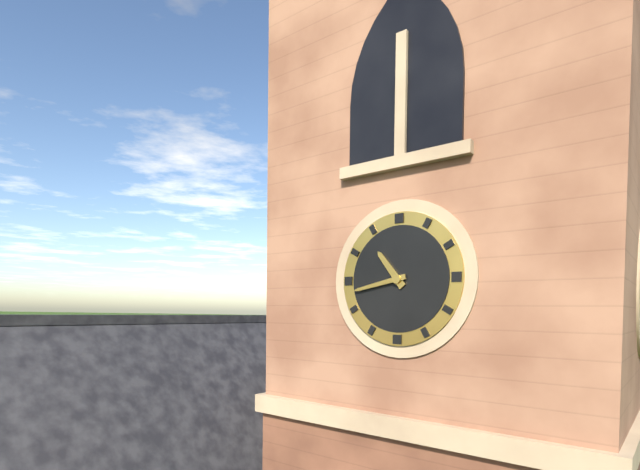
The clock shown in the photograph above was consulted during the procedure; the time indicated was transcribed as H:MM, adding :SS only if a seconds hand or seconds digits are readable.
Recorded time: 10:43
